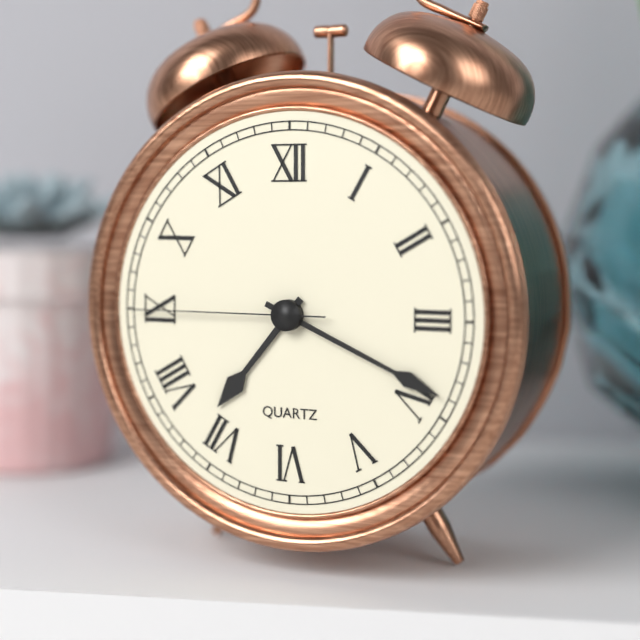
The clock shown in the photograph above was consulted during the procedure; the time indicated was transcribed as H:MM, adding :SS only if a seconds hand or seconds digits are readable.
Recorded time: 7:19:45
